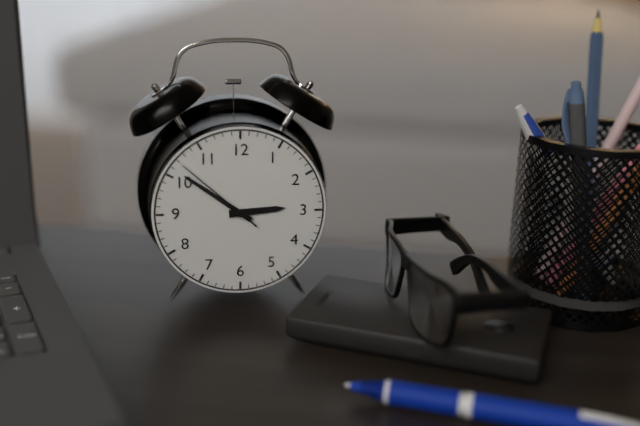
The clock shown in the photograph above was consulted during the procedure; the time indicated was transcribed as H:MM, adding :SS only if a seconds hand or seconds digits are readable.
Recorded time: 2:51:52
